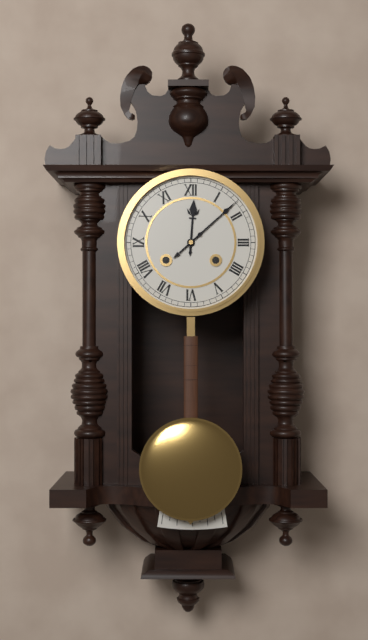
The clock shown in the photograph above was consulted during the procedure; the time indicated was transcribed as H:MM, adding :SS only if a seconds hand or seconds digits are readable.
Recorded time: 12:08
